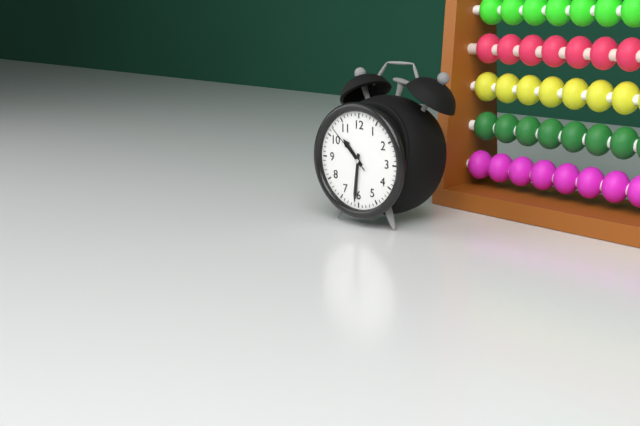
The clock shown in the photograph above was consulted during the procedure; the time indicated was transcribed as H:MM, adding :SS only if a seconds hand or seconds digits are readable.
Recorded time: 10:31:52
